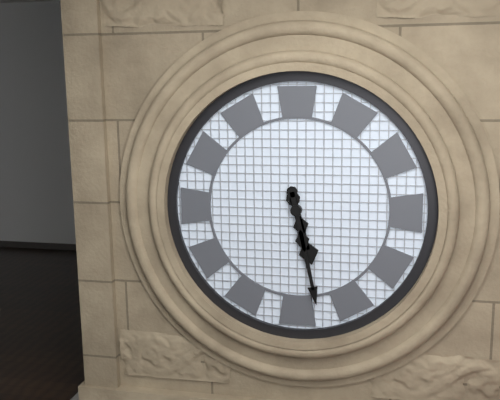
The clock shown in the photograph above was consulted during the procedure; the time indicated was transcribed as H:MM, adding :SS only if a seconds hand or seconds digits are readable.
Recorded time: 5:28
